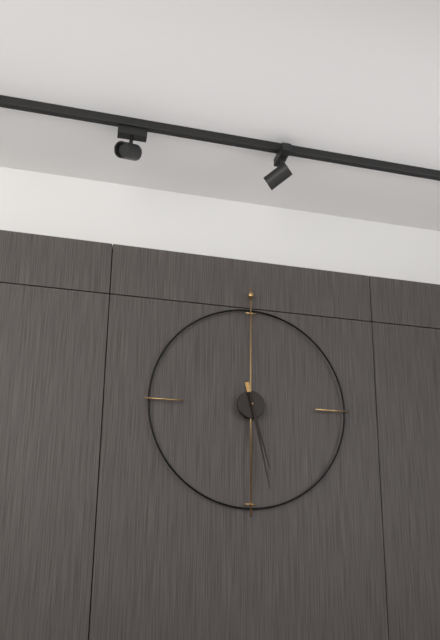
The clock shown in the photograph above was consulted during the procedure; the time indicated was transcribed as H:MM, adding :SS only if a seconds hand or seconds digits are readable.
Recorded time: 5:28
